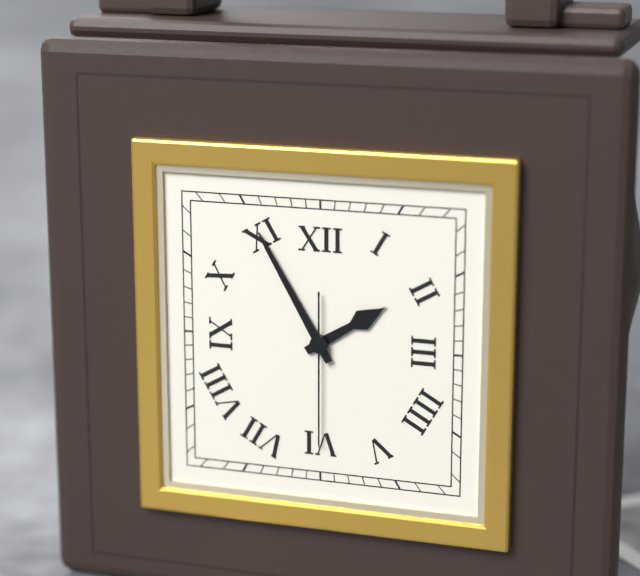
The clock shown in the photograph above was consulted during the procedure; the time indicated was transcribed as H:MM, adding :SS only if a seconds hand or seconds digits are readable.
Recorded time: 1:55:30
